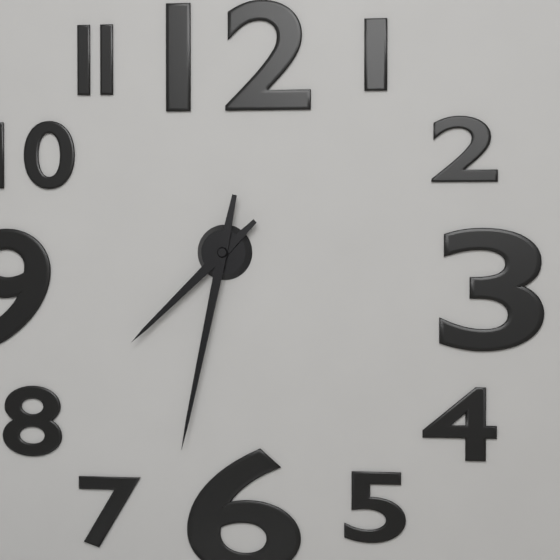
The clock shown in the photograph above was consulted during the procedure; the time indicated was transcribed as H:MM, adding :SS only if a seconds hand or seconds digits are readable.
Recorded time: 7:32
